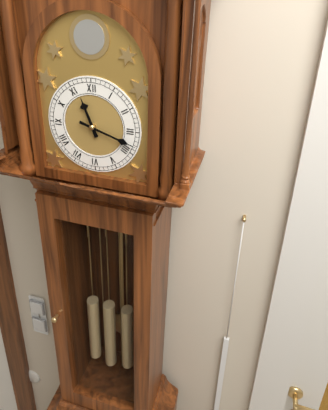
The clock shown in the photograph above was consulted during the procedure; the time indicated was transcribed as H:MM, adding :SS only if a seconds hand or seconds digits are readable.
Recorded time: 11:18
